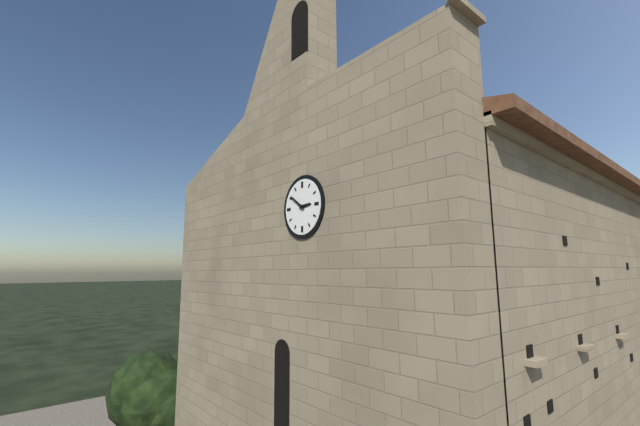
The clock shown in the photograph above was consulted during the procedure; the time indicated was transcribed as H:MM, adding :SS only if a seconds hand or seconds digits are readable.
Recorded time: 2:51
